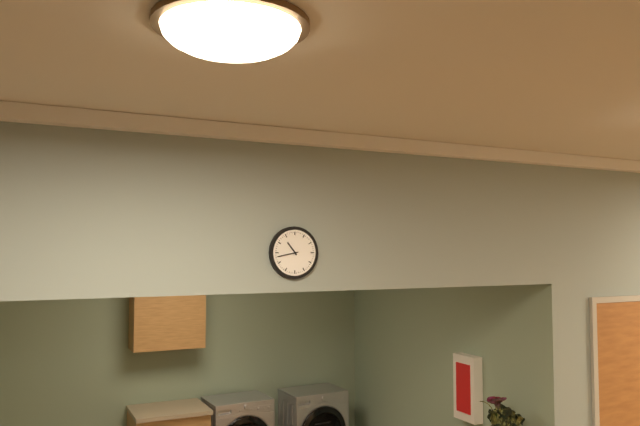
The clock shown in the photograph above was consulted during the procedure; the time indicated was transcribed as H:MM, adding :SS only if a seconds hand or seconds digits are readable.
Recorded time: 10:43
